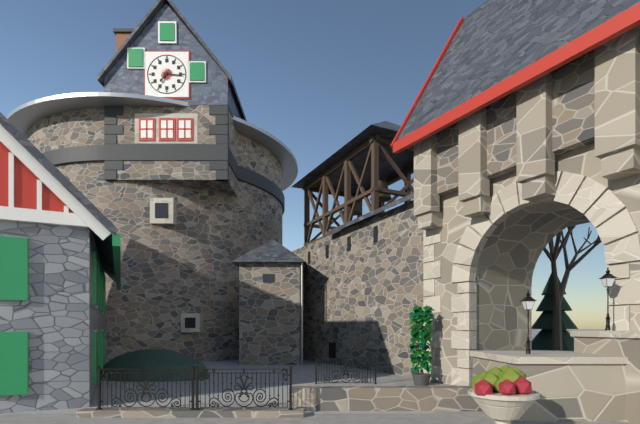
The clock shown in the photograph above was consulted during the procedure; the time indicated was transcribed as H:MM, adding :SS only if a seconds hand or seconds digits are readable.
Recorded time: 7:16
